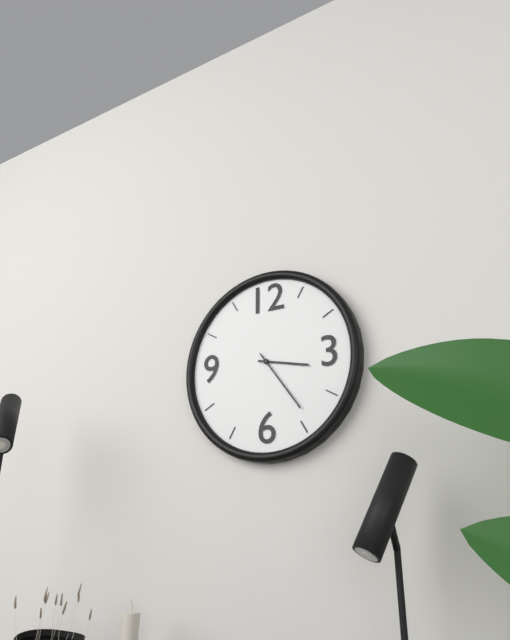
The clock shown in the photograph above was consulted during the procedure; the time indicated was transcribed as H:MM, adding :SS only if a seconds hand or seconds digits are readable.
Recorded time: 3:24
